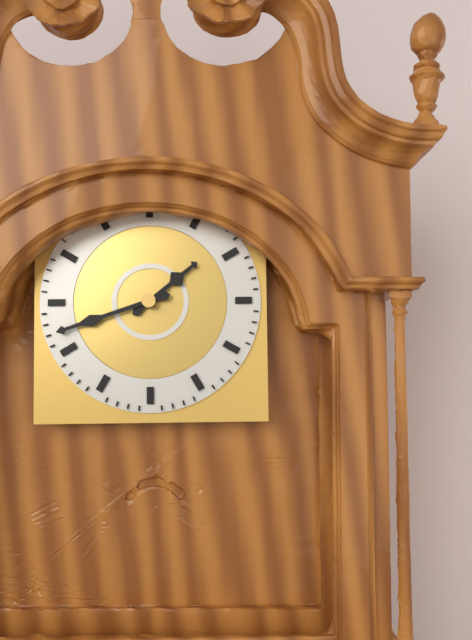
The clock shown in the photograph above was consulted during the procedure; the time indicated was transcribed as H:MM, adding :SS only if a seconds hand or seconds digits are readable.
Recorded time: 1:42
